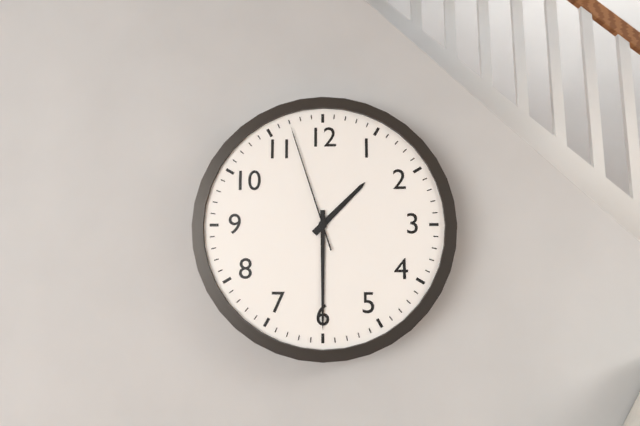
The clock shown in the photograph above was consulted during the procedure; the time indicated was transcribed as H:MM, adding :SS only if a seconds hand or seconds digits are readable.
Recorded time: 1:30:57
